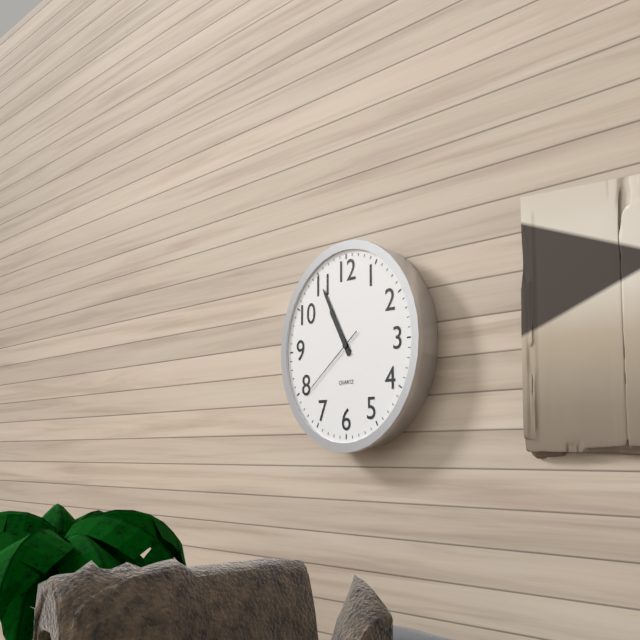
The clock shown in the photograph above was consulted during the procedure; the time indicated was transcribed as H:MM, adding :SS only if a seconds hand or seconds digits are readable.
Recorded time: 10:55:39
